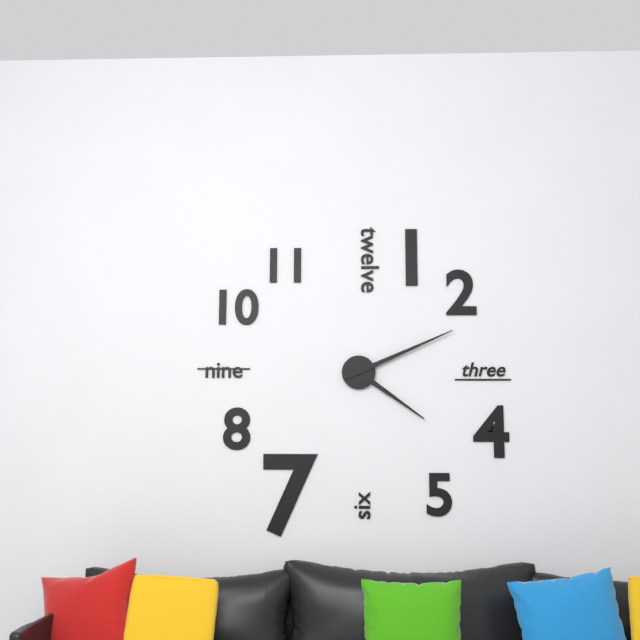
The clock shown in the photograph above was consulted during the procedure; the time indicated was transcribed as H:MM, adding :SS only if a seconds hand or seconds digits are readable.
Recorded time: 4:11
